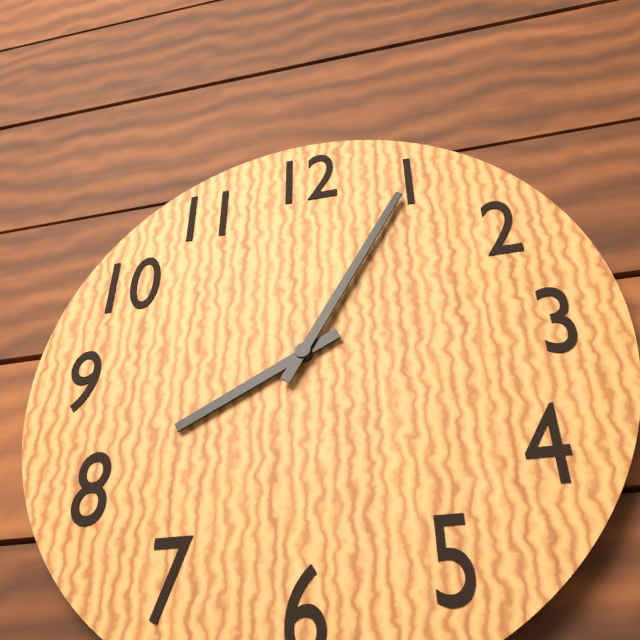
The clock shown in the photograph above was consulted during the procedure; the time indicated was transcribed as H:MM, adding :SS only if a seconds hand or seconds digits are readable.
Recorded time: 8:05
